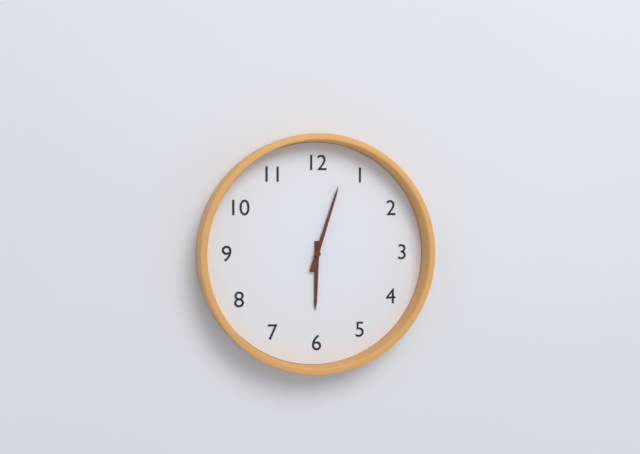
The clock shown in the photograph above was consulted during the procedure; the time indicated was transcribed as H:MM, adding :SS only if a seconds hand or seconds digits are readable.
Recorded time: 6:03
